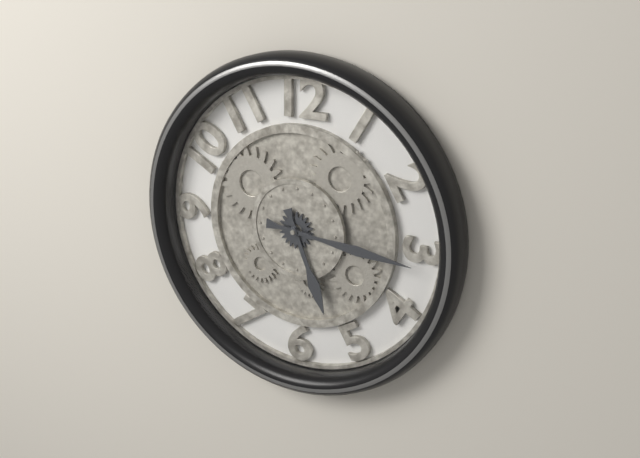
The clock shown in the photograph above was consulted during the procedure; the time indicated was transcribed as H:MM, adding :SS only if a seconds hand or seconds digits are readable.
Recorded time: 5:16
